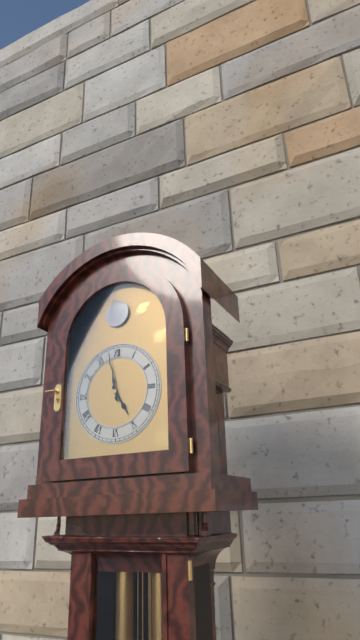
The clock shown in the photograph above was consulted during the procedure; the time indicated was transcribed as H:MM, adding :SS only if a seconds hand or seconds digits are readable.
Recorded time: 4:58
